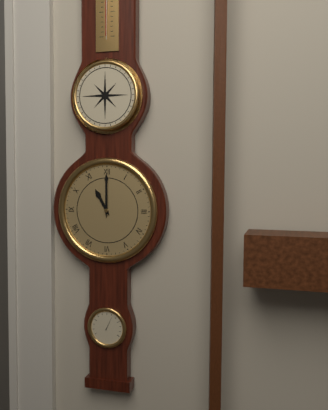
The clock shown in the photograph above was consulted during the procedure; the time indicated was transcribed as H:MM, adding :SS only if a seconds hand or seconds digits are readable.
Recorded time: 11:00
